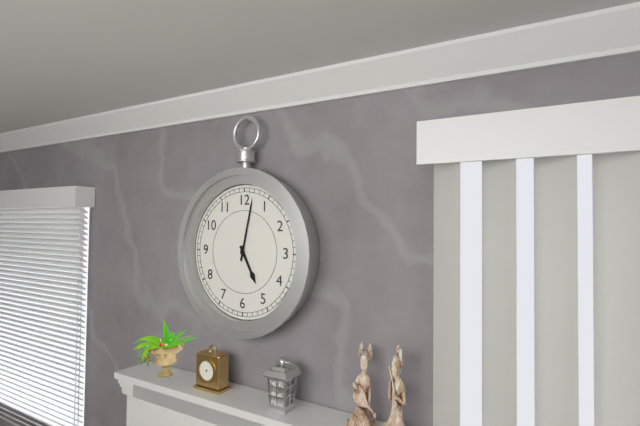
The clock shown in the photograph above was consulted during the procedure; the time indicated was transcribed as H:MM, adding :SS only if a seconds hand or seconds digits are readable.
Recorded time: 5:02
